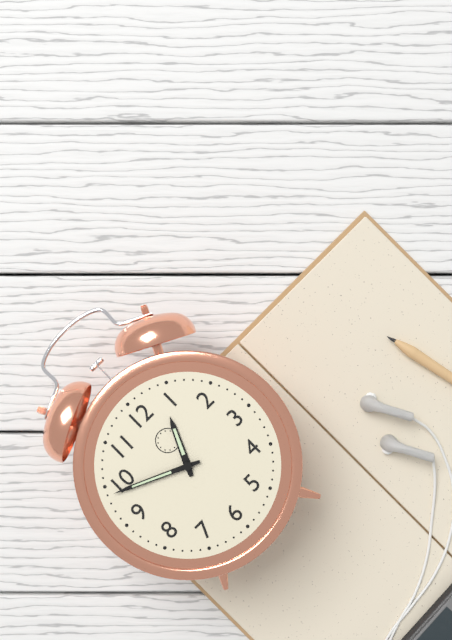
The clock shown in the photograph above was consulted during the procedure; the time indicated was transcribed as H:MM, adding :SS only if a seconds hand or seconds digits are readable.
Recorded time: 12:49
